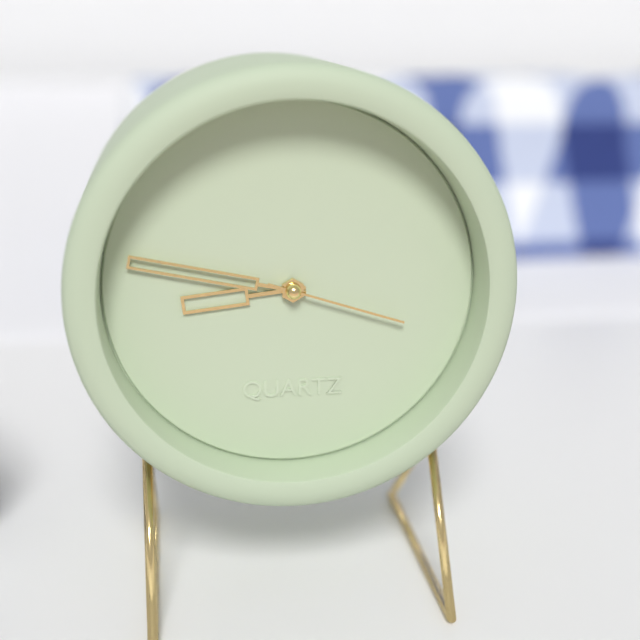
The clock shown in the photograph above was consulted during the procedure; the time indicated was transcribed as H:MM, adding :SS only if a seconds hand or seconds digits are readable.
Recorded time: 8:47:18
